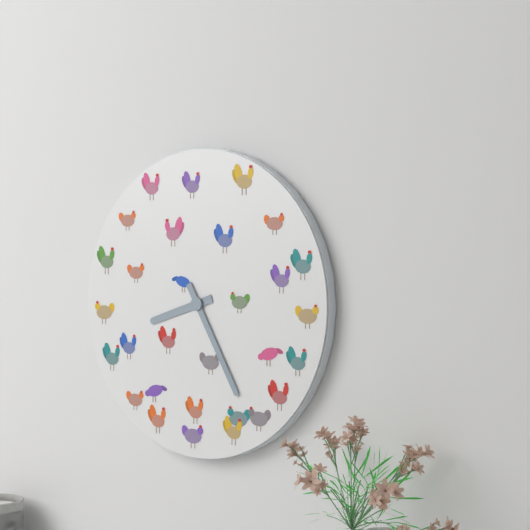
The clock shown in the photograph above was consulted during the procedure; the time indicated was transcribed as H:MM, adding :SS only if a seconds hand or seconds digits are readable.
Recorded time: 8:25
